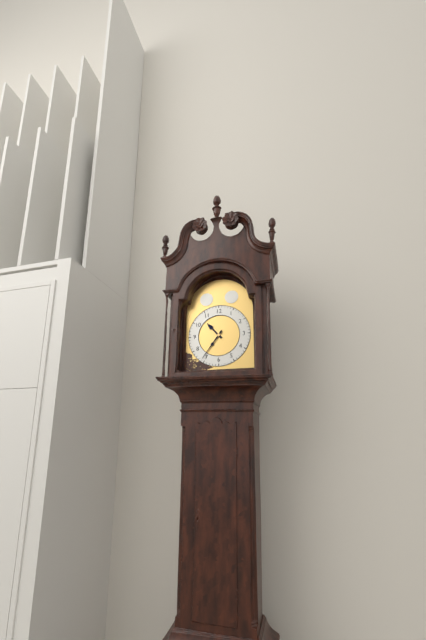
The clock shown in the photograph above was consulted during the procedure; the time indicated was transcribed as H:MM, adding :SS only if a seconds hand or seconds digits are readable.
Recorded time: 10:36
